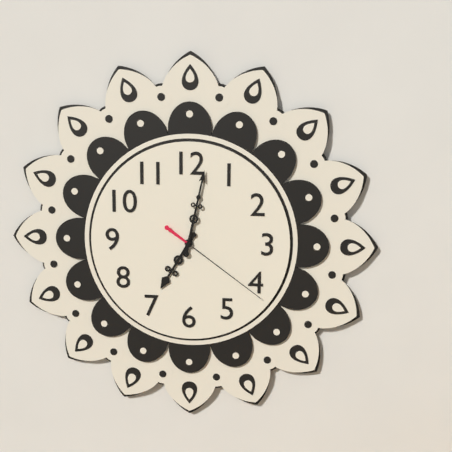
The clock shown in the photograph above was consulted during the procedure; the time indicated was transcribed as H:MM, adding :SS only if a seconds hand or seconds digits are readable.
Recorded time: 7:02:21
